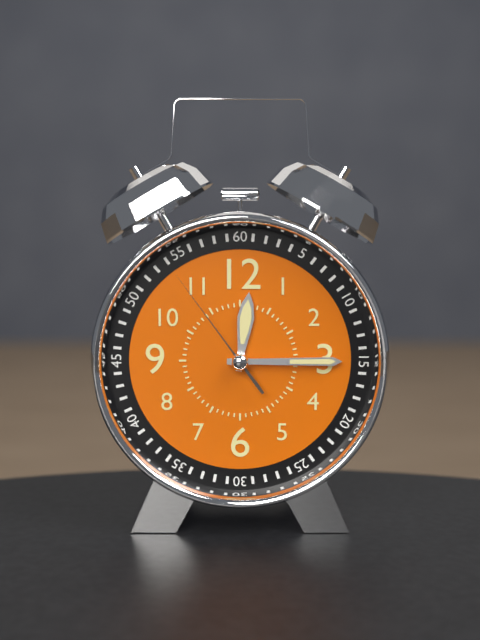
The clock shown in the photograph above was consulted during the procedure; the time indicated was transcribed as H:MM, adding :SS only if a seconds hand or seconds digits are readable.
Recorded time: 12:15:54
